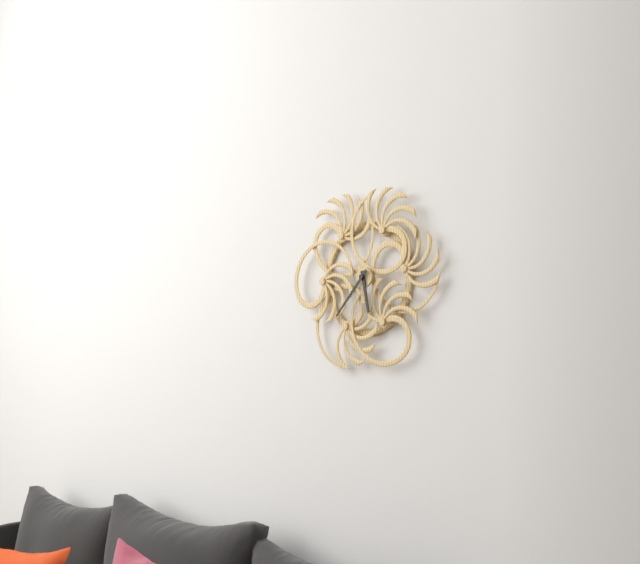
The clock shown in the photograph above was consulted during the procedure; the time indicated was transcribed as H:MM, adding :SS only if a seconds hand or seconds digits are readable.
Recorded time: 5:37
